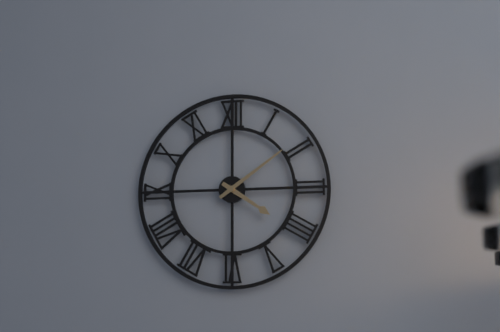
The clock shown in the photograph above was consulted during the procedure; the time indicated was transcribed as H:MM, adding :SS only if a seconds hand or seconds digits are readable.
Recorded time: 4:09
